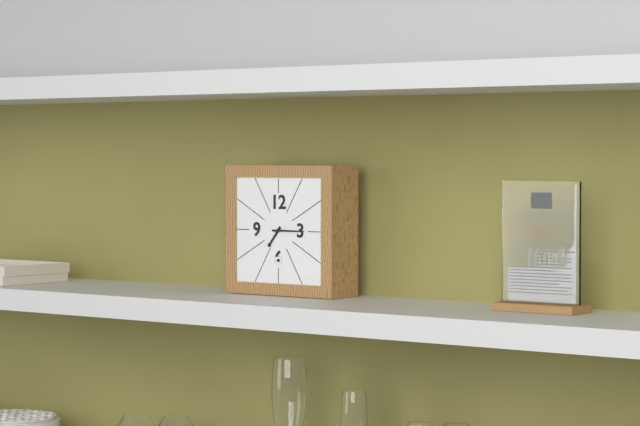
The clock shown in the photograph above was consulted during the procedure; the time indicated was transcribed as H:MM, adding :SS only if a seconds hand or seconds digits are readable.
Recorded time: 7:15
